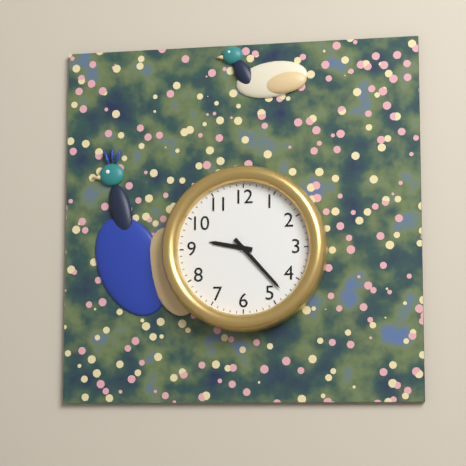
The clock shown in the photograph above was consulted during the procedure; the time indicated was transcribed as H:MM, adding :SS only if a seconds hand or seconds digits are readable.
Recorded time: 9:23
